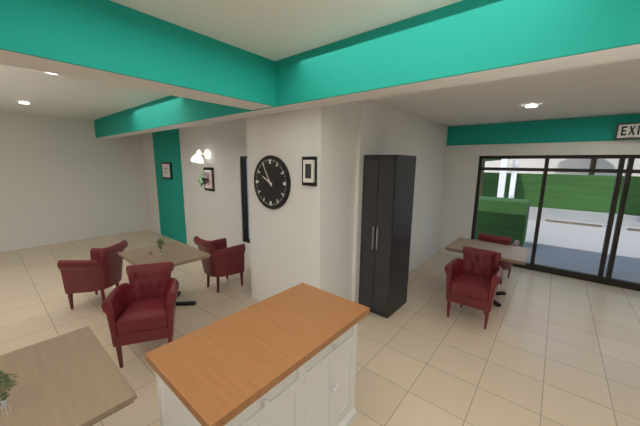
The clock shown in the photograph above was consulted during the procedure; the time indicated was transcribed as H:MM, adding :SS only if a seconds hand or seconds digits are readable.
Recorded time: 9:55
